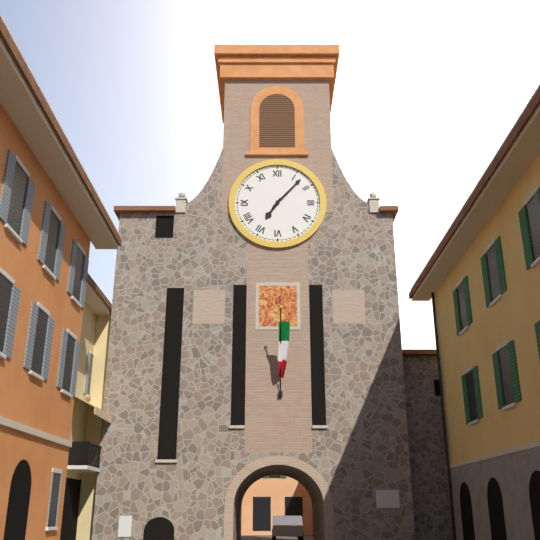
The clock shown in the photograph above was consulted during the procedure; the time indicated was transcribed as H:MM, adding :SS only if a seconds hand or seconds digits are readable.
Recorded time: 7:07
